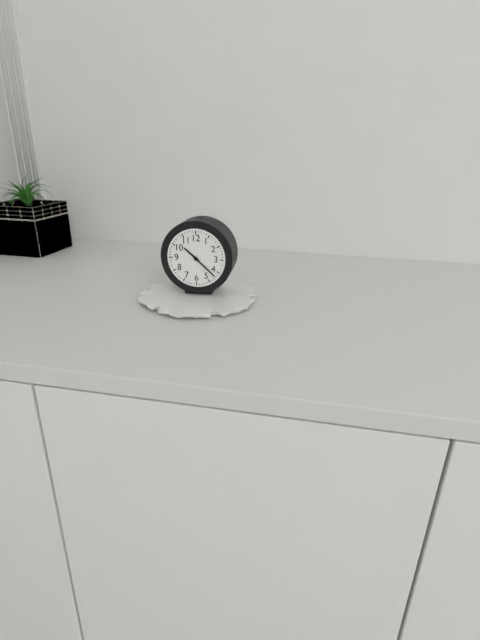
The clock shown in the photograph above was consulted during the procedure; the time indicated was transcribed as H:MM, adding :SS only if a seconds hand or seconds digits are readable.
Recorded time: 10:22
